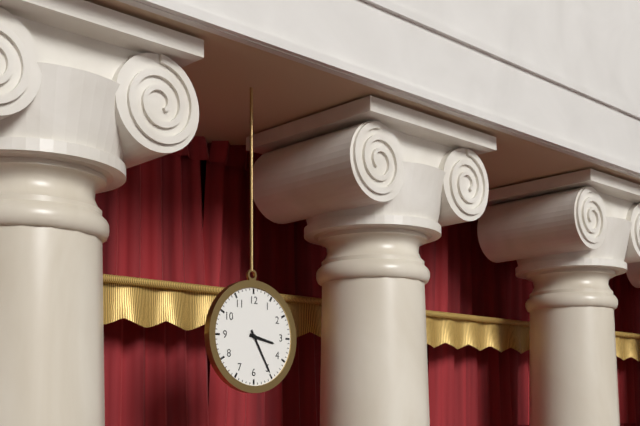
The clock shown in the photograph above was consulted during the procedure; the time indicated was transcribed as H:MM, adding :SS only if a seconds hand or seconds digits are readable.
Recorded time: 3:25
